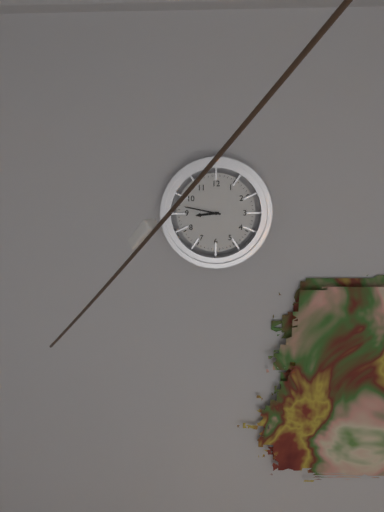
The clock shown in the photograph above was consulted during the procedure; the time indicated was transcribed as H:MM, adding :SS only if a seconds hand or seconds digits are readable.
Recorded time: 8:47
